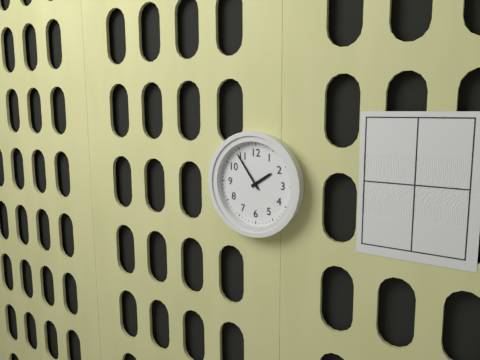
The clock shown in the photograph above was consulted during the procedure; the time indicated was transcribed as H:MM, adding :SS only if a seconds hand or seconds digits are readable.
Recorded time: 1:54
